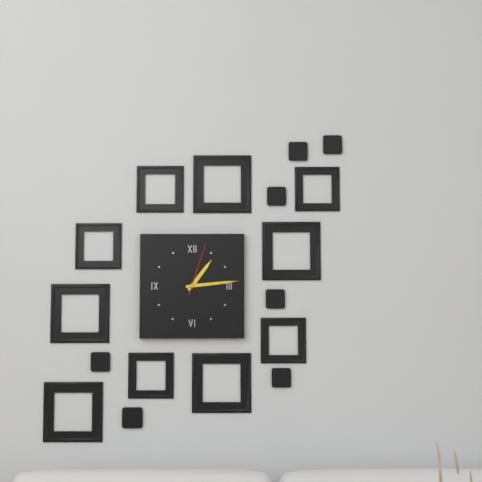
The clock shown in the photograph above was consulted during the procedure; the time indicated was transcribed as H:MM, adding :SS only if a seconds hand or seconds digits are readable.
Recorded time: 1:14:03
